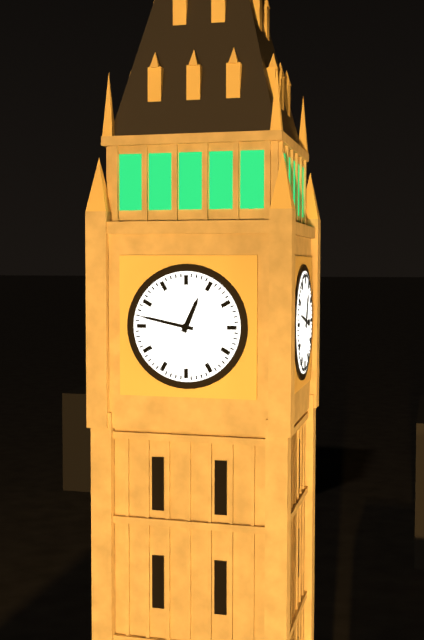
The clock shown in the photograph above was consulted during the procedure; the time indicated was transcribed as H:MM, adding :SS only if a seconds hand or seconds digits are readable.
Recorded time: 12:47
